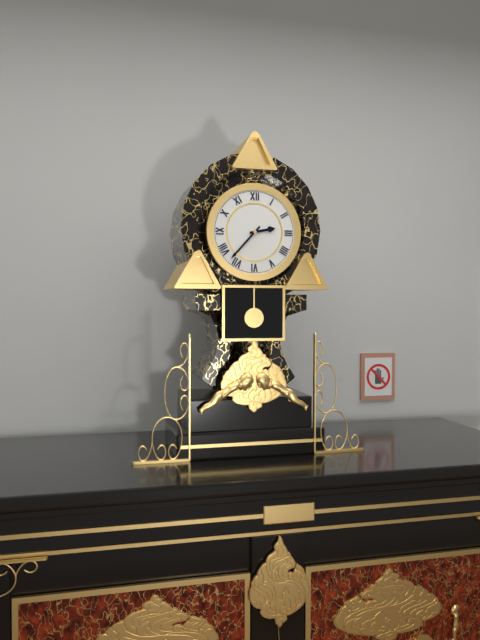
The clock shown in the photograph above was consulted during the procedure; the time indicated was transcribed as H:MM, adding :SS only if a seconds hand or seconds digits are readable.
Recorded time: 2:37
